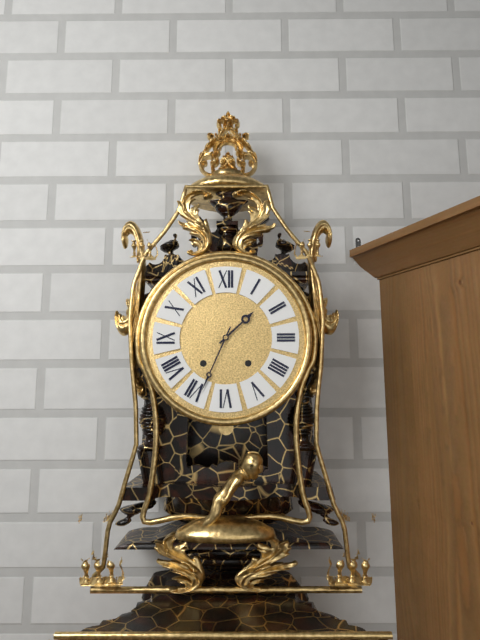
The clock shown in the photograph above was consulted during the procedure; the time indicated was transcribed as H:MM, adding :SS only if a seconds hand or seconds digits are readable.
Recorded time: 1:34
